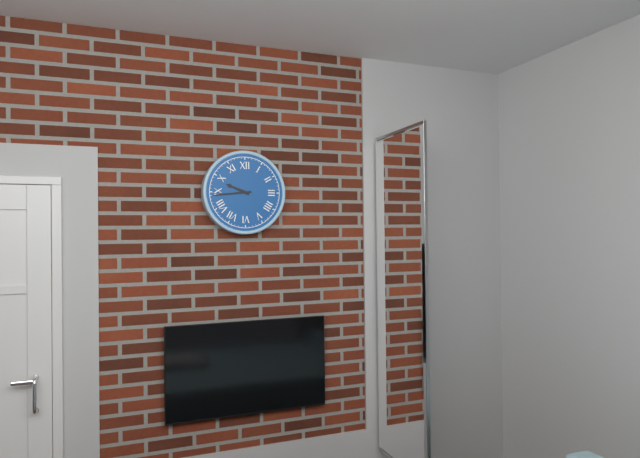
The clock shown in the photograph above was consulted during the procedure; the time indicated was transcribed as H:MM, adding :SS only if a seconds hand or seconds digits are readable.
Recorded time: 9:44
